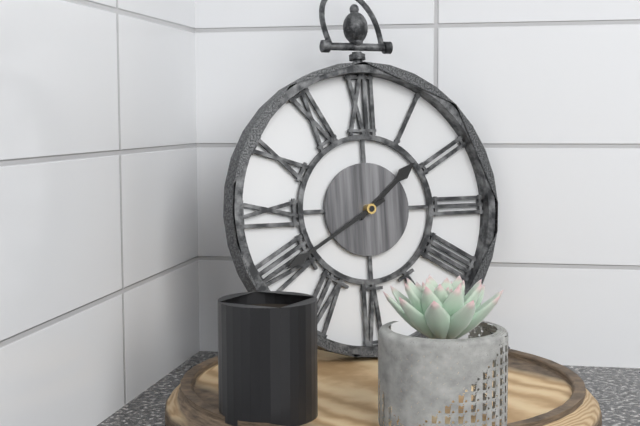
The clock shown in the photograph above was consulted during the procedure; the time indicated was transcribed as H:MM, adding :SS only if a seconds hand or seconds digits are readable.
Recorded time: 1:40
